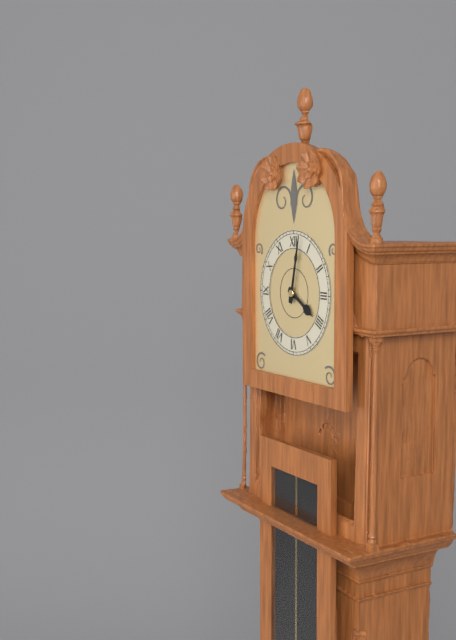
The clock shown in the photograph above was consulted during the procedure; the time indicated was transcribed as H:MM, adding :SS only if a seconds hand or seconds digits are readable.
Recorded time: 4:02
